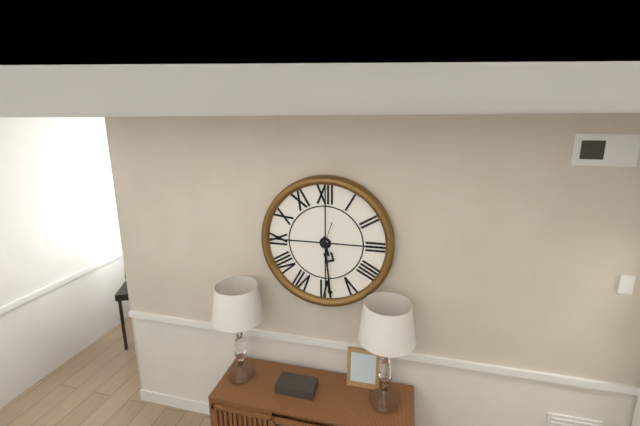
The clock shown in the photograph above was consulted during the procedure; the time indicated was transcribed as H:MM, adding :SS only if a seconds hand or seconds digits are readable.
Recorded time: 5:29
